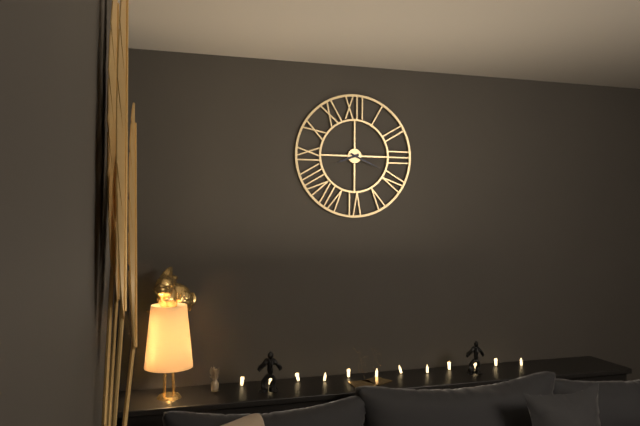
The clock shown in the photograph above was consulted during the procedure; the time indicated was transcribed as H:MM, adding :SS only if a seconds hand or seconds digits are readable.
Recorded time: 8:19
